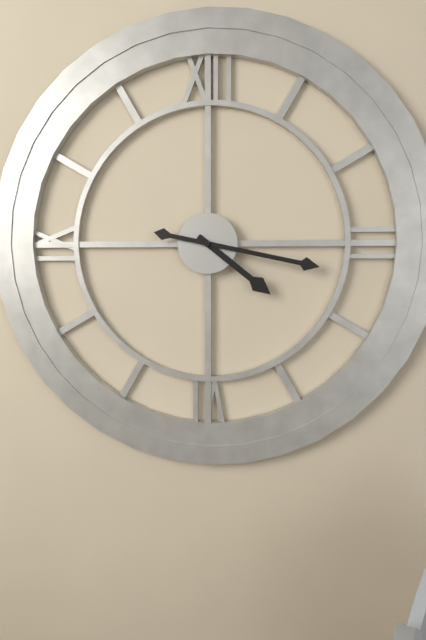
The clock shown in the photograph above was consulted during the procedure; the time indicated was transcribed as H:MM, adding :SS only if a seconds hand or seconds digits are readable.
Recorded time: 4:17
